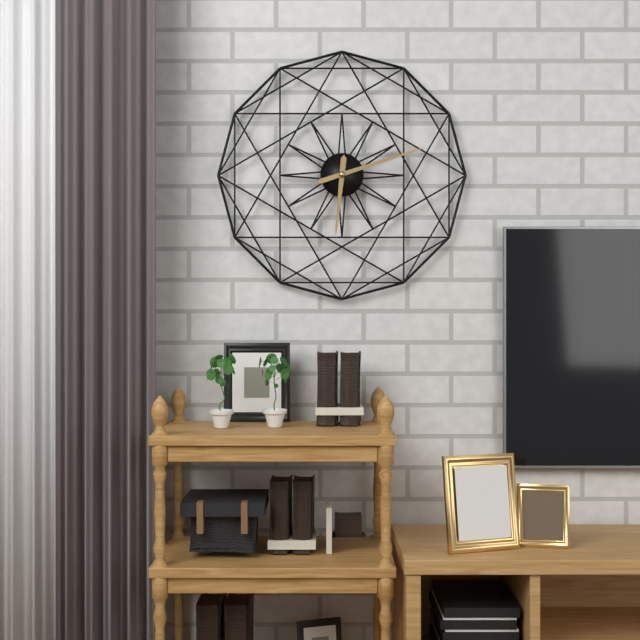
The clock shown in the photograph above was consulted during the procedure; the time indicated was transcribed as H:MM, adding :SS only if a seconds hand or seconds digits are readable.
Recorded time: 6:12
